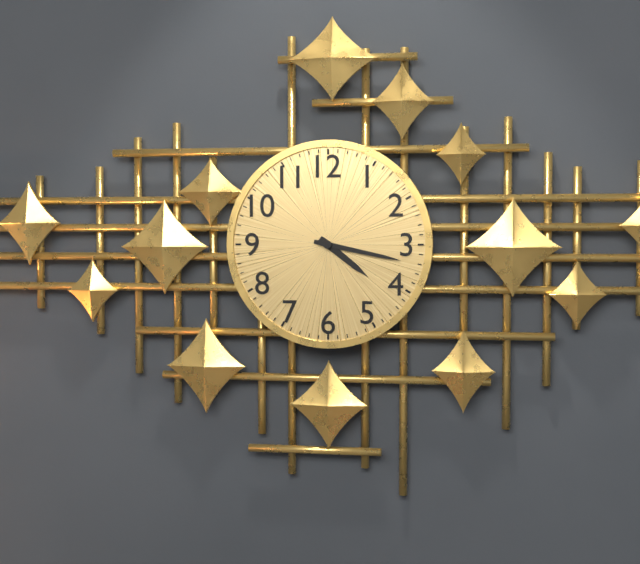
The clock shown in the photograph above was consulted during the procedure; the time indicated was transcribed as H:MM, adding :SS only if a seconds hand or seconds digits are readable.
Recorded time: 4:17
